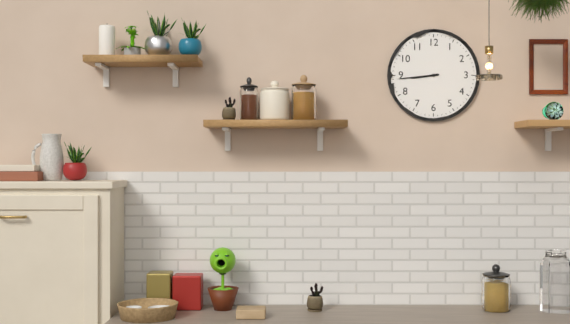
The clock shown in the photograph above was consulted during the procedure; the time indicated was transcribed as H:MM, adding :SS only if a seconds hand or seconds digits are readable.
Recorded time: 8:44
